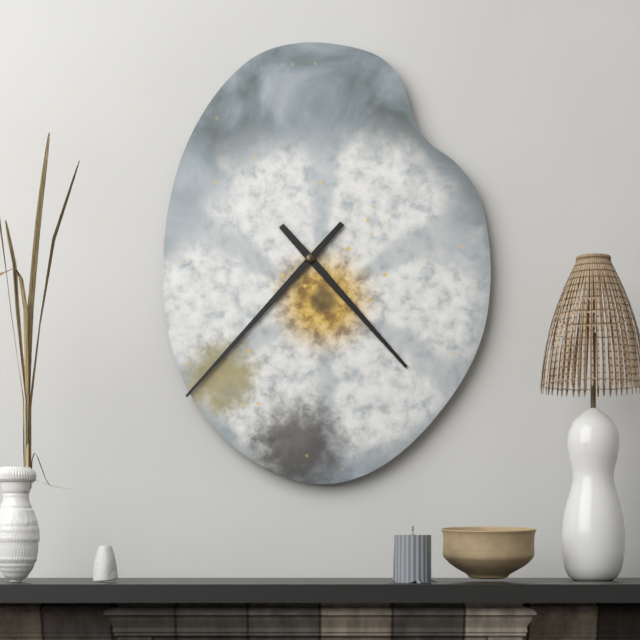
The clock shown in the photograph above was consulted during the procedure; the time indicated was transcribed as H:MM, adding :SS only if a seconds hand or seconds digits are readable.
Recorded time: 4:37
